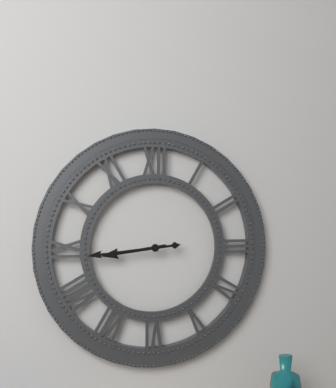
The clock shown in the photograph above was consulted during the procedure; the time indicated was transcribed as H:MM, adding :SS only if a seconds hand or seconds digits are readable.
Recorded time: 8:44
